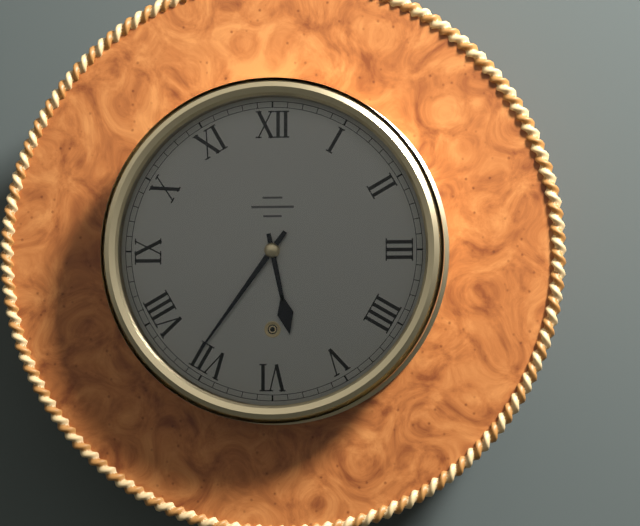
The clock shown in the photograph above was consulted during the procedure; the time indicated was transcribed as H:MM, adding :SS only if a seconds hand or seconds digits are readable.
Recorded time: 5:36
